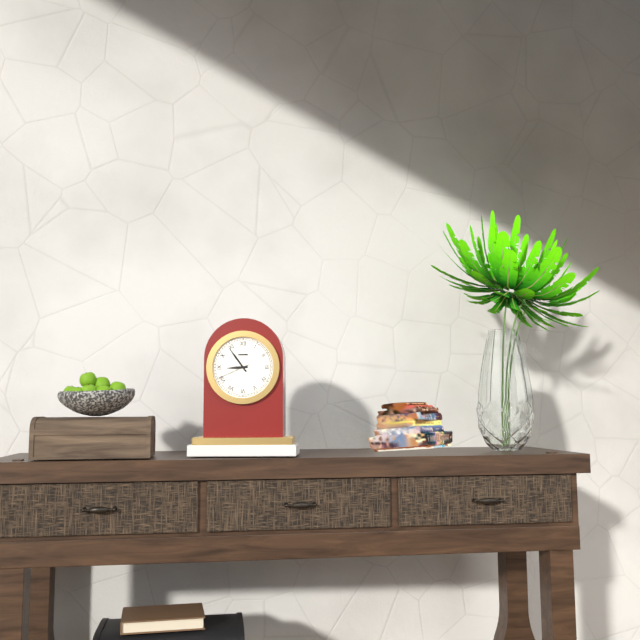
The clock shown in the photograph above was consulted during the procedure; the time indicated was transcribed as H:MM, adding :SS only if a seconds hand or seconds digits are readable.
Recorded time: 8:54
